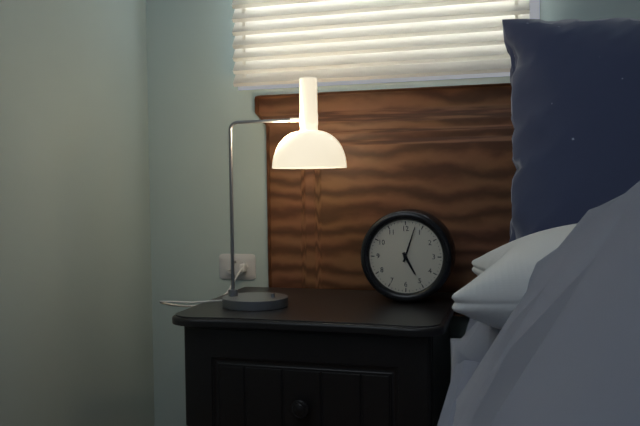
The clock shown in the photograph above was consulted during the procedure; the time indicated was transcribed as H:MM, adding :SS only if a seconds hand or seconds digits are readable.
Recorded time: 5:03
